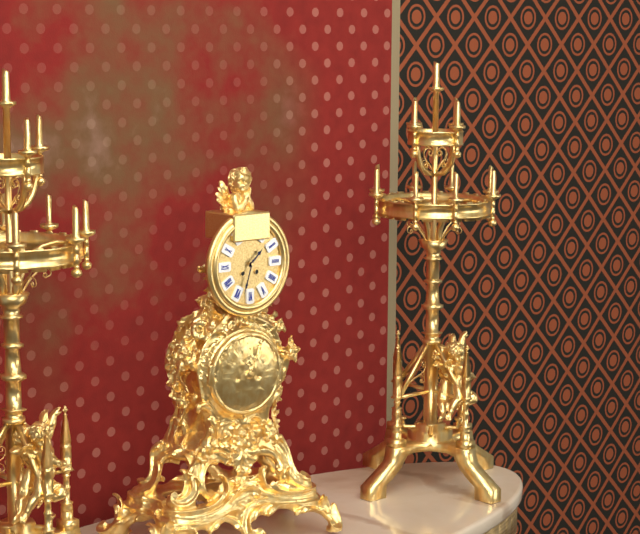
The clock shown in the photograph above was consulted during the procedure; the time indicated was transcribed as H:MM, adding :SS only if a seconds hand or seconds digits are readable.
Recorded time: 1:33
